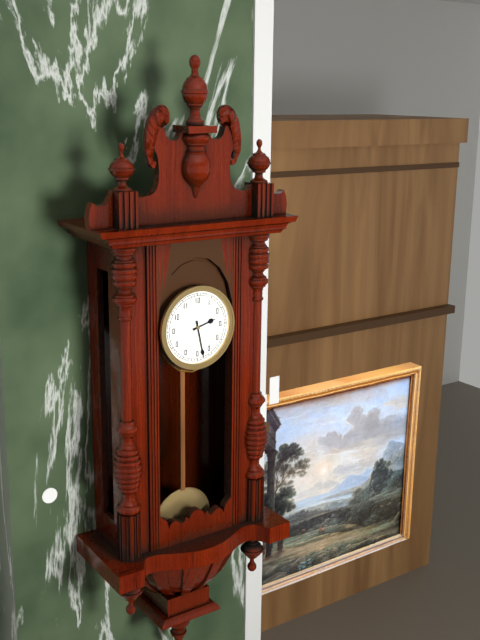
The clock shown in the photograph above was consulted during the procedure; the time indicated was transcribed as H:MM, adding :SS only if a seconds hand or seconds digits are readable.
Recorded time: 2:28
